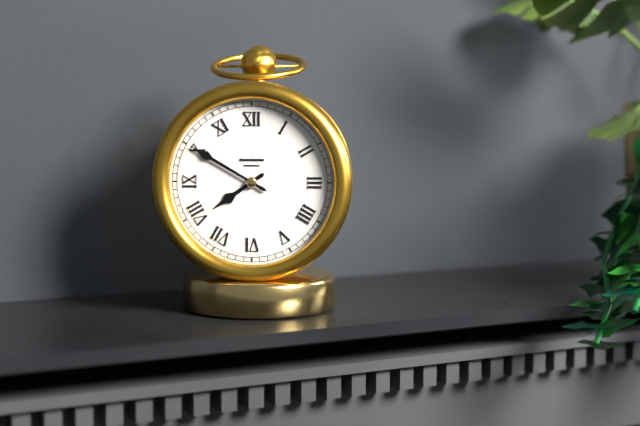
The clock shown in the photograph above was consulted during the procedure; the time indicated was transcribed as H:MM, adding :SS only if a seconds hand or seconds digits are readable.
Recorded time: 7:50
